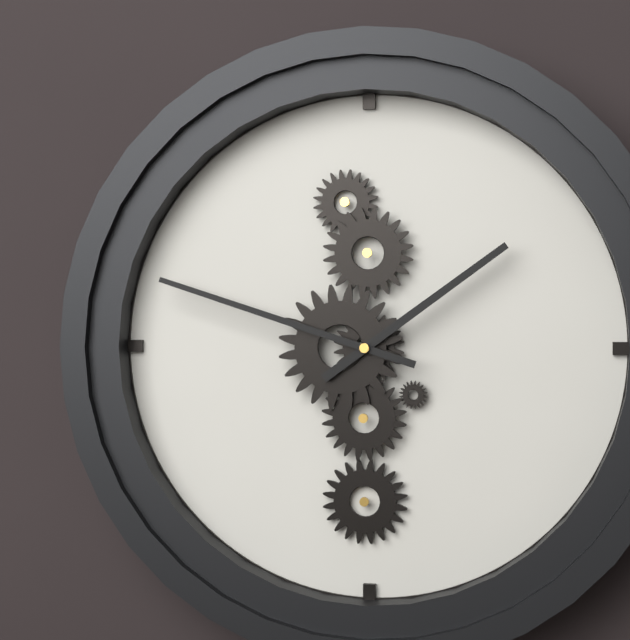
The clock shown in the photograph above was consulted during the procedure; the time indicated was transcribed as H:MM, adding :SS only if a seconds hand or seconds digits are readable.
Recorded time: 1:48
